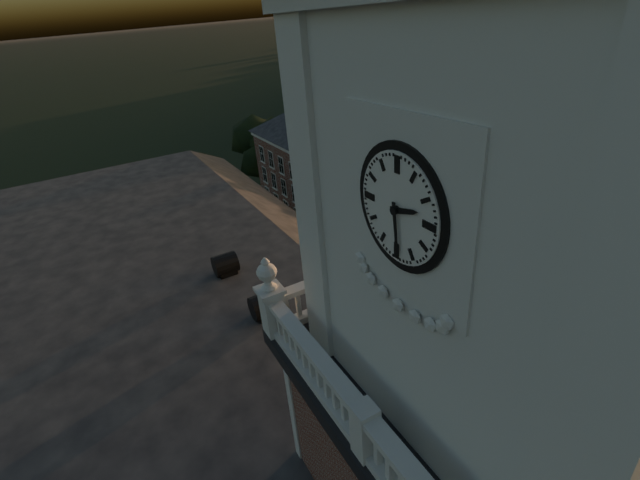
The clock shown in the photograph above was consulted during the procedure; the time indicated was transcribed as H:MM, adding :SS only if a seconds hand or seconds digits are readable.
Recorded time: 2:29
